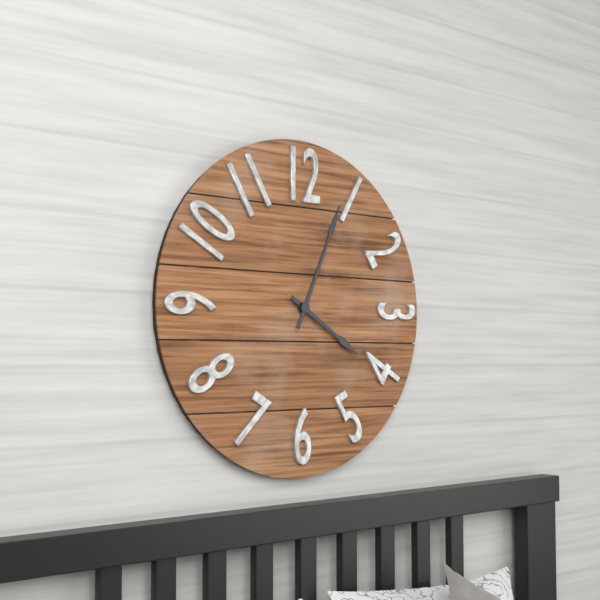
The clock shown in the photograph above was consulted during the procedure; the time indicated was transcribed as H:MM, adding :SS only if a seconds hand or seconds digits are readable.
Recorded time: 4:04
